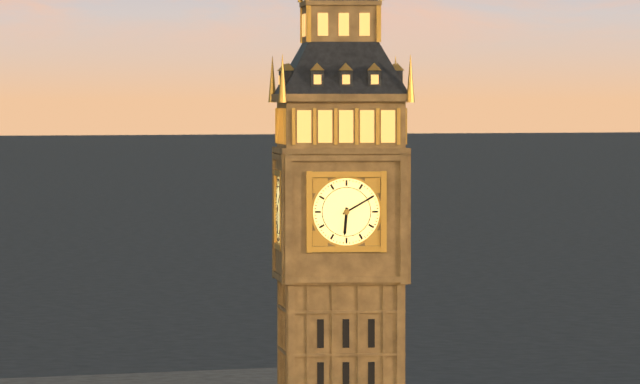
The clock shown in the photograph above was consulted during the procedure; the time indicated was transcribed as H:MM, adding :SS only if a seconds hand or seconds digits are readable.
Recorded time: 6:10
